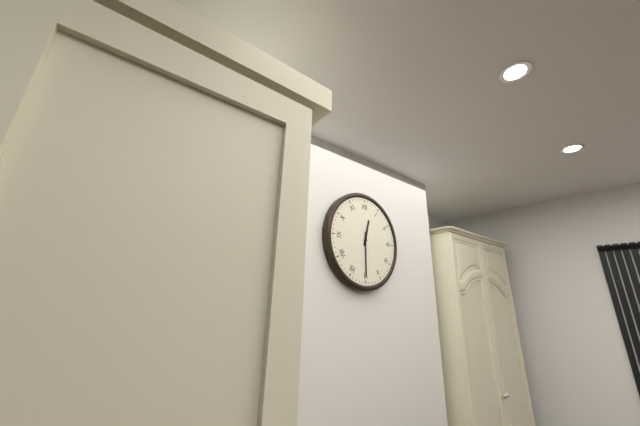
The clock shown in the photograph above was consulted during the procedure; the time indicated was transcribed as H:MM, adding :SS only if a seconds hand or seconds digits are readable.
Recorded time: 12:30
